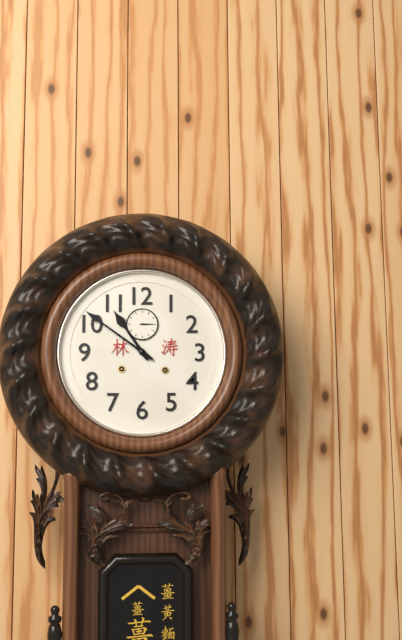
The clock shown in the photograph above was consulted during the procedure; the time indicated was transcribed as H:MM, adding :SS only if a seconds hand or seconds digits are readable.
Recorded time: 10:51
